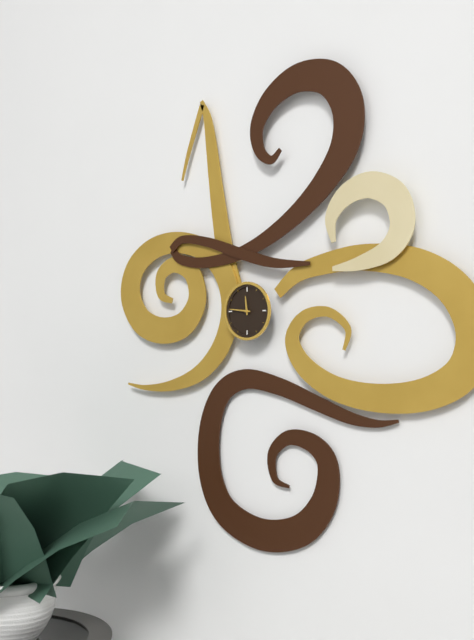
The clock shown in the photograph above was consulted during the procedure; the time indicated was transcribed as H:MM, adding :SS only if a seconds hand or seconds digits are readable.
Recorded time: 11:46
